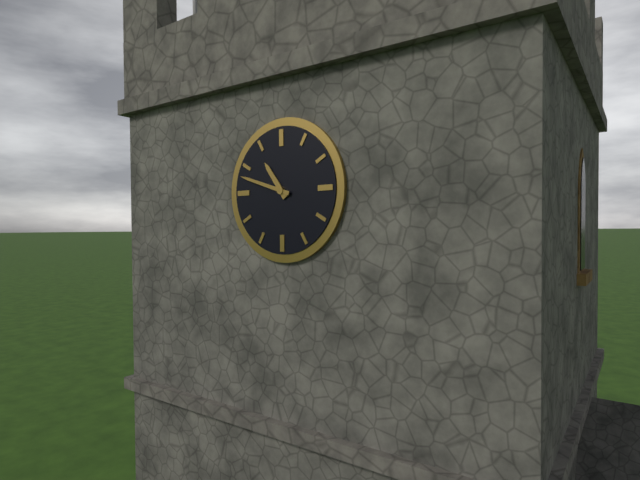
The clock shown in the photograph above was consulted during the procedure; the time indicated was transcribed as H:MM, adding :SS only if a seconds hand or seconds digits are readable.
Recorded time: 10:48
